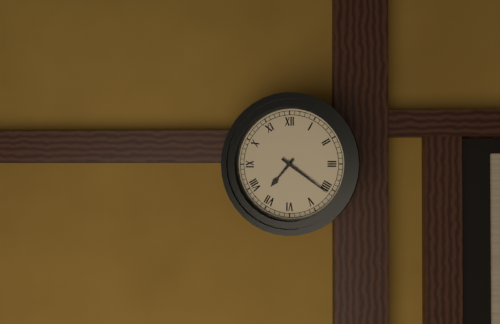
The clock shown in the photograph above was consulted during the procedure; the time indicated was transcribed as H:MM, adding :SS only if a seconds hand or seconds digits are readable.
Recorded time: 7:21
